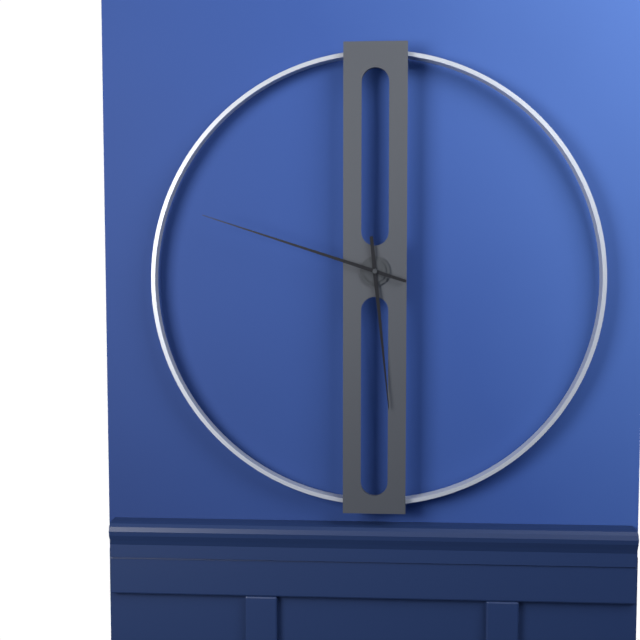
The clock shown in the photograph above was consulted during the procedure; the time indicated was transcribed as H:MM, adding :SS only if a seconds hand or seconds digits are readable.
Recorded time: 5:48
